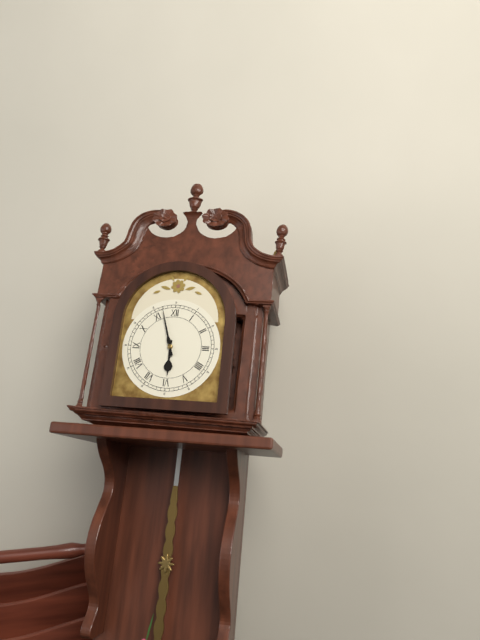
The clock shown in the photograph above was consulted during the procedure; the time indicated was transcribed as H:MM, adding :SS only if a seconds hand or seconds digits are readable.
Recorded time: 5:57
